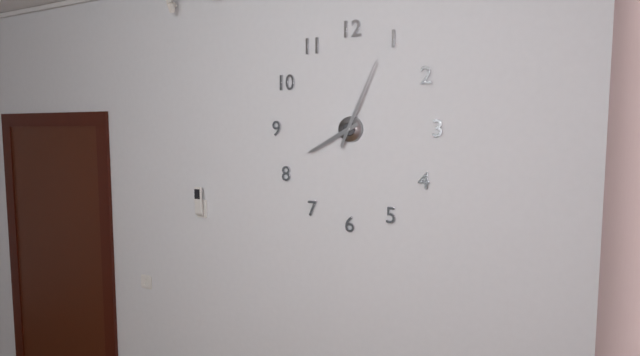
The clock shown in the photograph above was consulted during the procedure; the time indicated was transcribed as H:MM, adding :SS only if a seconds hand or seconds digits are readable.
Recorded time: 8:04
